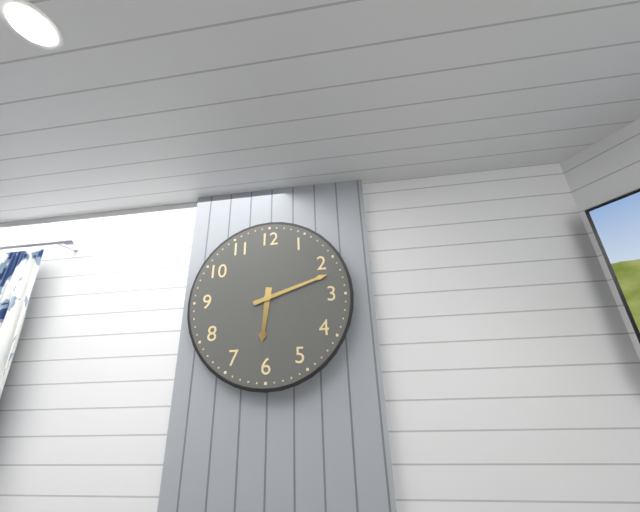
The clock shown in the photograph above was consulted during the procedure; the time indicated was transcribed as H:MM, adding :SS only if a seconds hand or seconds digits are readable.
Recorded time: 6:12
